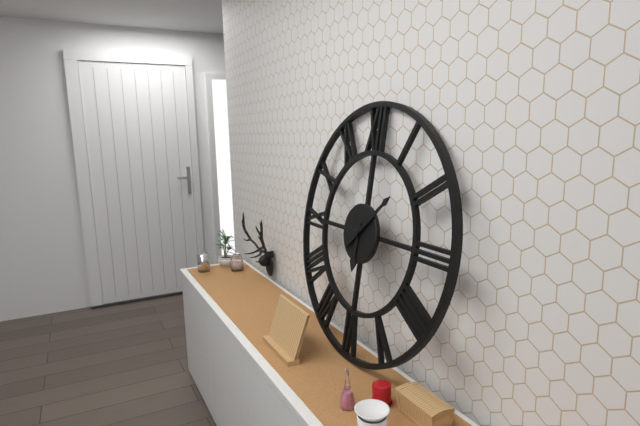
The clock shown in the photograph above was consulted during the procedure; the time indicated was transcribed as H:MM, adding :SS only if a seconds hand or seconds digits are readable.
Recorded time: 6:08
